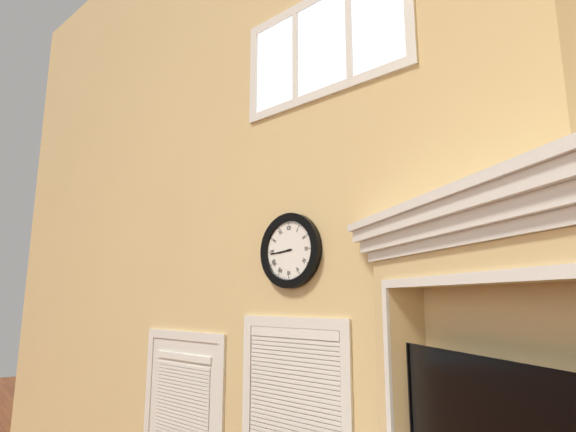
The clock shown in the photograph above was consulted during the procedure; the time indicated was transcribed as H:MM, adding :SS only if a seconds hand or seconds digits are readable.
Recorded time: 8:44
